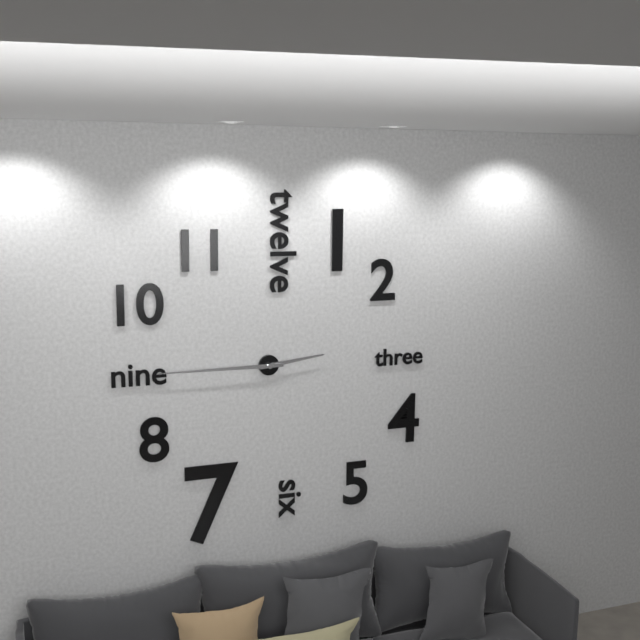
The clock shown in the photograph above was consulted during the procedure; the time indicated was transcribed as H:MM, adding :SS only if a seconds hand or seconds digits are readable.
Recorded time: 2:45
